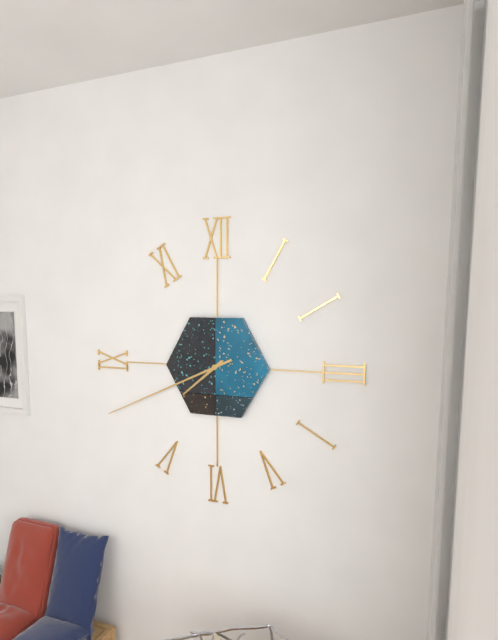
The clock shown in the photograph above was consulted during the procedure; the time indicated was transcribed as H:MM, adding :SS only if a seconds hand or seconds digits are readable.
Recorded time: 7:41
